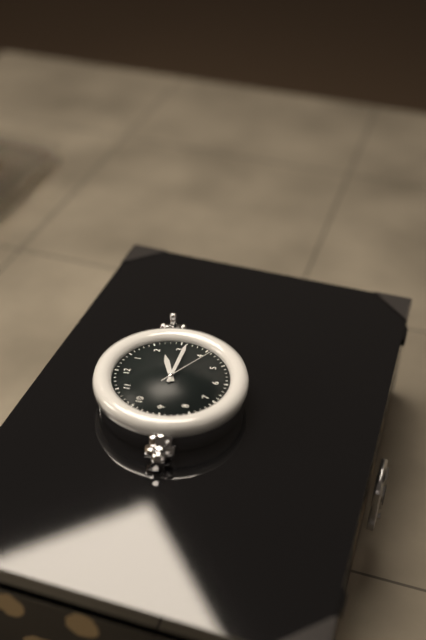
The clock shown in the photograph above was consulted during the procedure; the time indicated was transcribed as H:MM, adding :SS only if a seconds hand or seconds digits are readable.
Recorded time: 2:16:21
